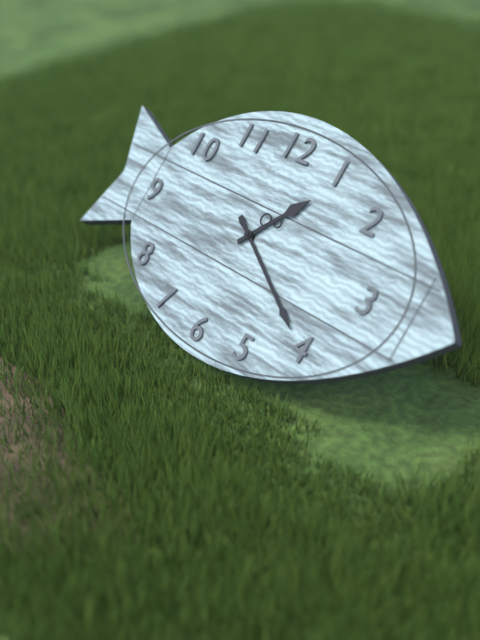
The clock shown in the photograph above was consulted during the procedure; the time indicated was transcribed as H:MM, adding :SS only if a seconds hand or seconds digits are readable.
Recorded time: 1:20
